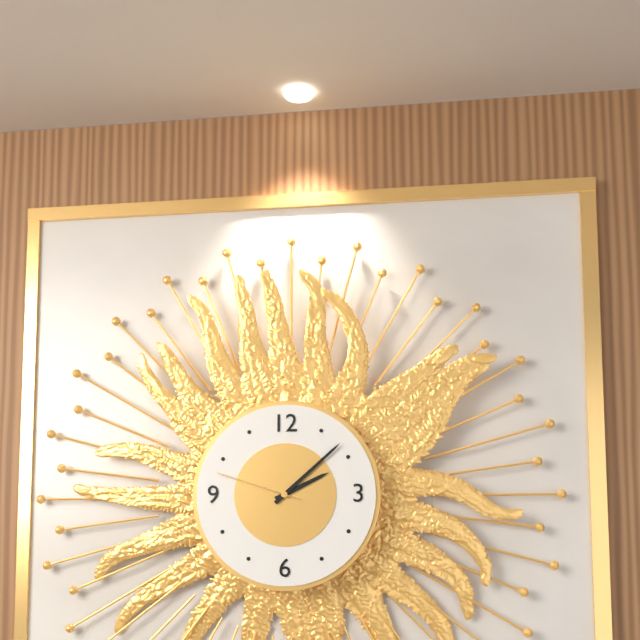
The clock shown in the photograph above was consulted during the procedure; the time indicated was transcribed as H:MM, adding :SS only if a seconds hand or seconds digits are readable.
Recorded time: 2:08:48
